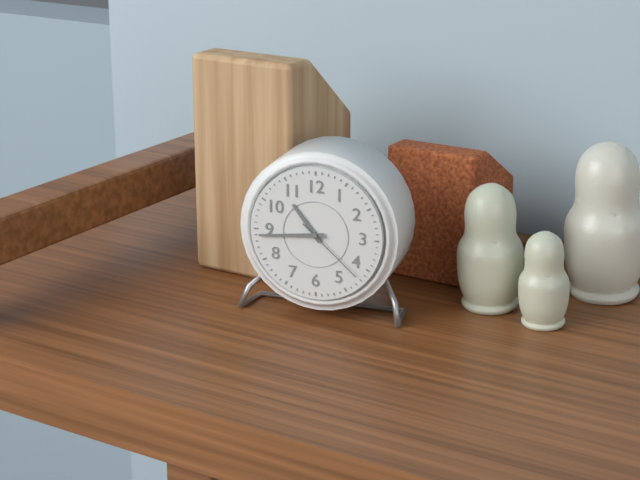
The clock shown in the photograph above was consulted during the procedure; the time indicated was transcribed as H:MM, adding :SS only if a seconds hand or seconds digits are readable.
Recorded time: 10:44:22
